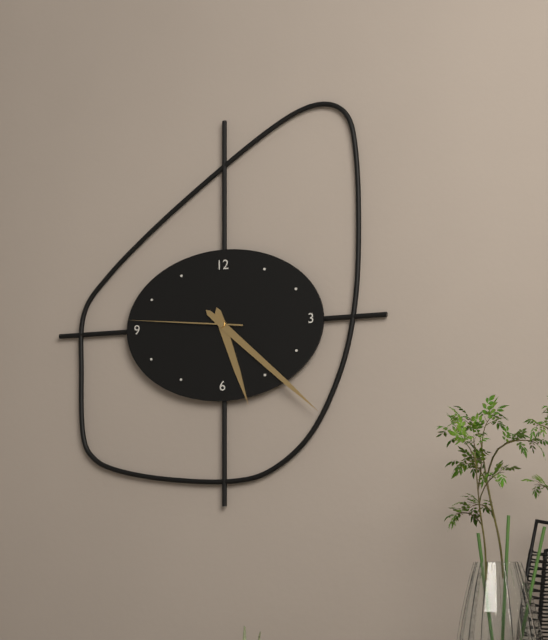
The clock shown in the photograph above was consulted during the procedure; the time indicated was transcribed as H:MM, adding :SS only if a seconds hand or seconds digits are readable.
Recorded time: 5:22:46
